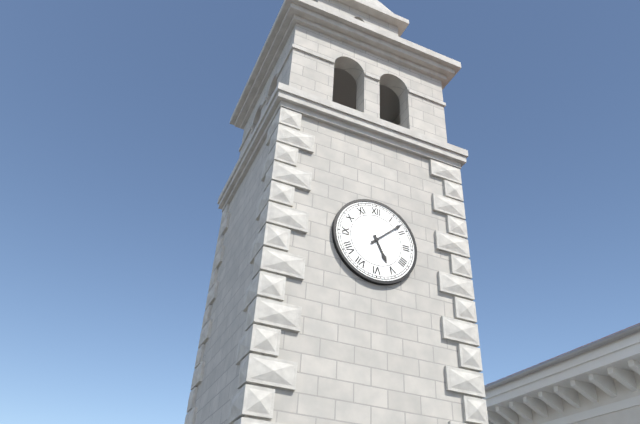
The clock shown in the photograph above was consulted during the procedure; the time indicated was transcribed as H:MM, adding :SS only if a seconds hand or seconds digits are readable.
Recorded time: 5:08
